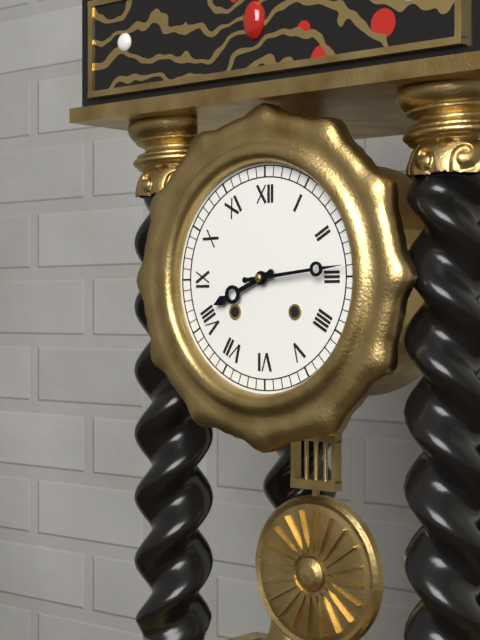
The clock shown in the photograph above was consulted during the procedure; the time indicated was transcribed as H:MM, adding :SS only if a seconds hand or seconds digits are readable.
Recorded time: 8:14
